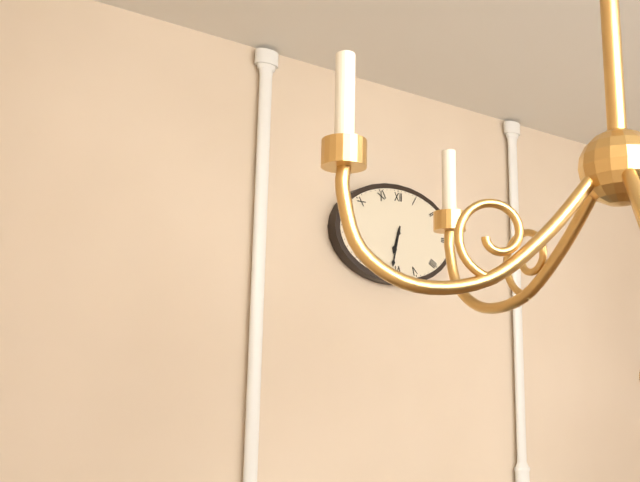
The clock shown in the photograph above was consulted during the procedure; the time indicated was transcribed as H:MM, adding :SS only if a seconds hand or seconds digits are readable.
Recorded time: 6:32
